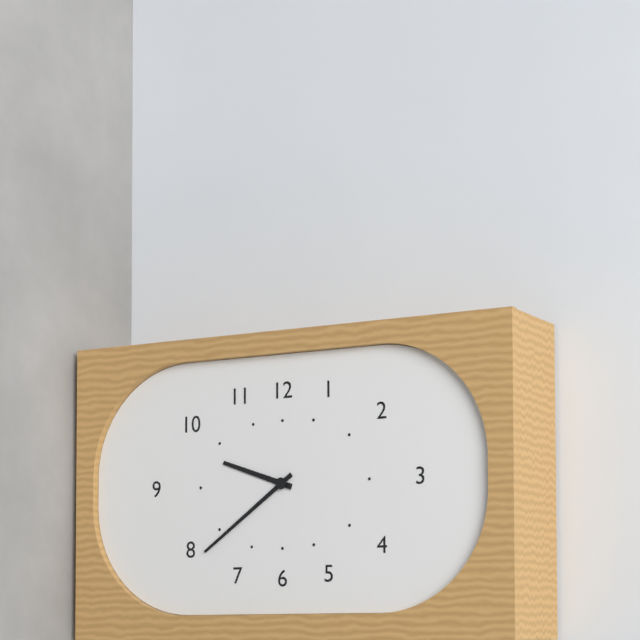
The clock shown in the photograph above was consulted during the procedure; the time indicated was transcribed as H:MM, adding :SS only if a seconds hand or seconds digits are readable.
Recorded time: 9:39
